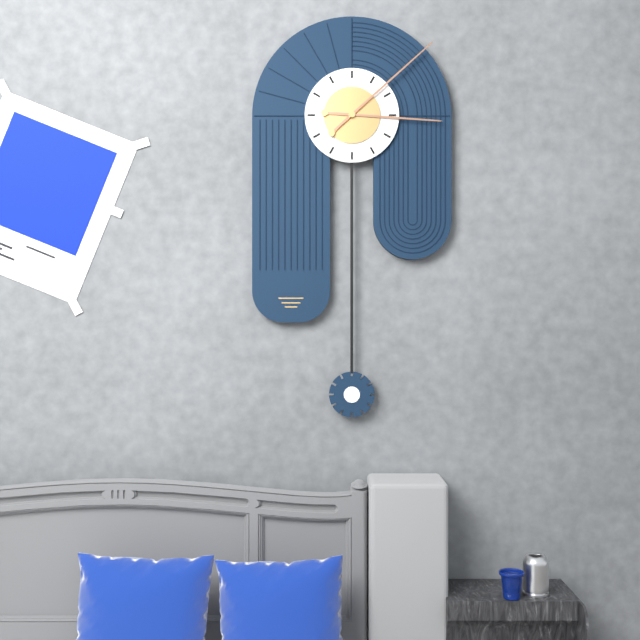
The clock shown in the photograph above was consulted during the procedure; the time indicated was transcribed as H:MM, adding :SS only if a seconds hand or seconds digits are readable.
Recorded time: 3:08
